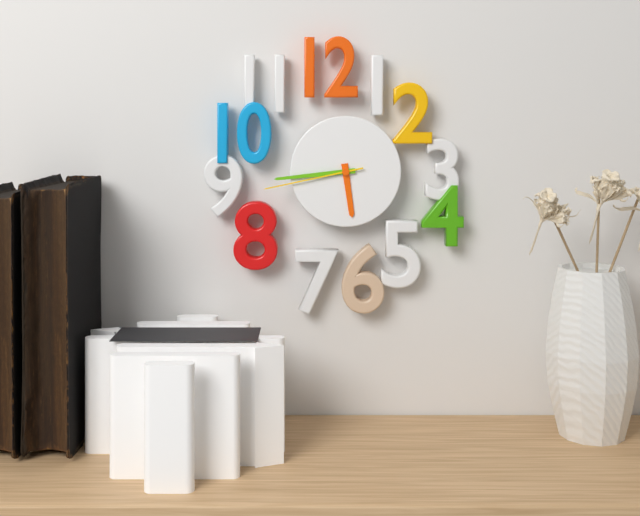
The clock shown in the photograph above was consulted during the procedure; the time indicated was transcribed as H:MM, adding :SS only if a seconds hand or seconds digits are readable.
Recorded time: 5:44:43
